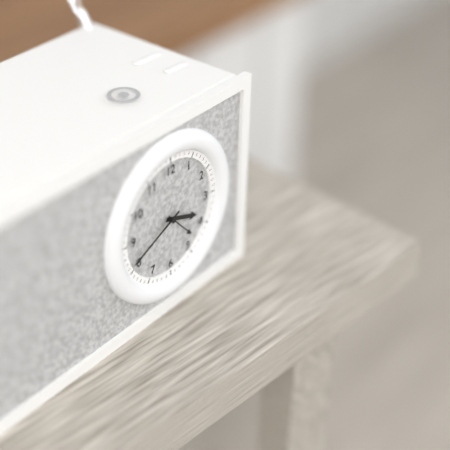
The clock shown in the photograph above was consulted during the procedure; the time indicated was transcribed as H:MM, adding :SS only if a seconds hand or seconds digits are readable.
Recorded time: 3:41
